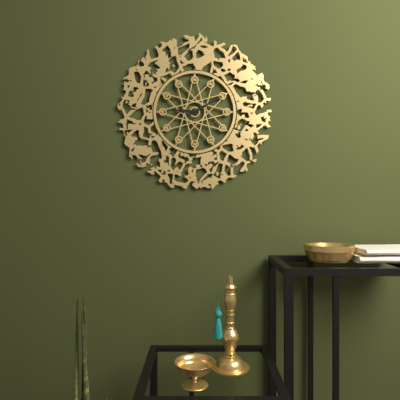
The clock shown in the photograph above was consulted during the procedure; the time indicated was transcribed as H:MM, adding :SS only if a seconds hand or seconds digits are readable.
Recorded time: 9:10
